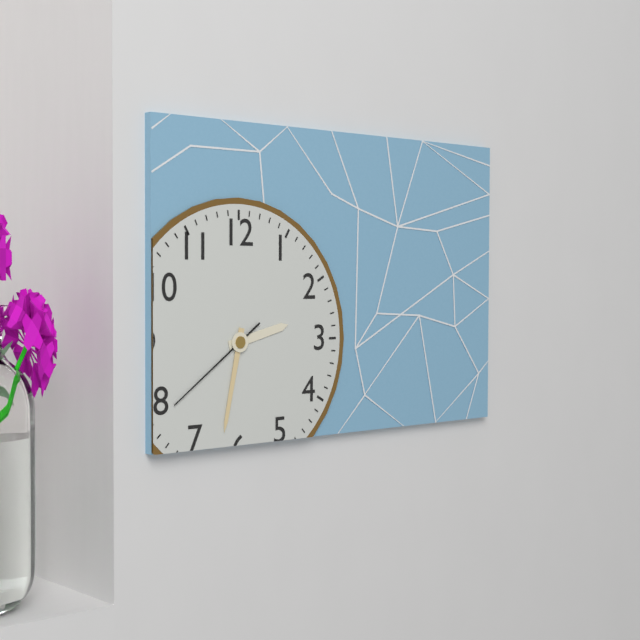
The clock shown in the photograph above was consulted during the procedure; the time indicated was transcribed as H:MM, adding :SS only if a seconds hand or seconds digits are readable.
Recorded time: 2:32:39
